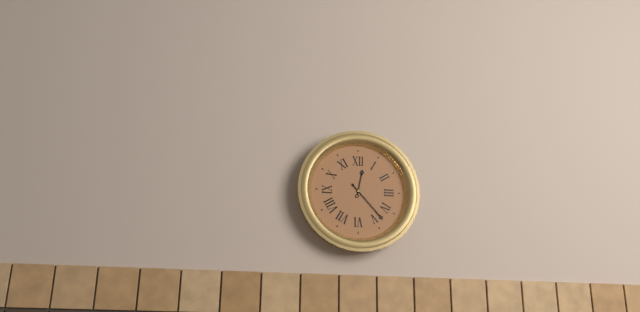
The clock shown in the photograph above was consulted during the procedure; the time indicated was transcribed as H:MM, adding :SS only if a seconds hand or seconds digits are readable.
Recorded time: 12:23
